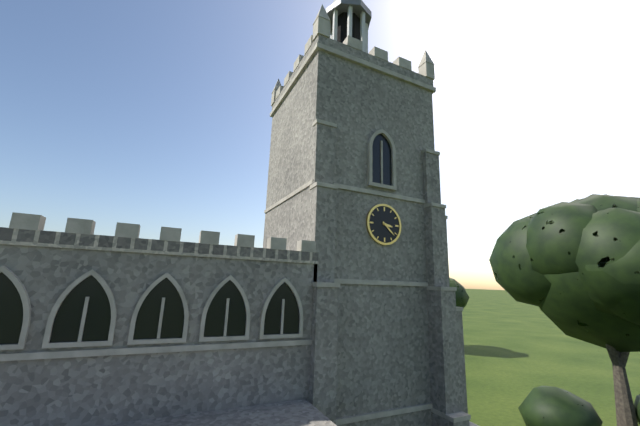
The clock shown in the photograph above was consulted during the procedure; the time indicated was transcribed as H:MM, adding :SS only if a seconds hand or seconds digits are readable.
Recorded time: 3:22
